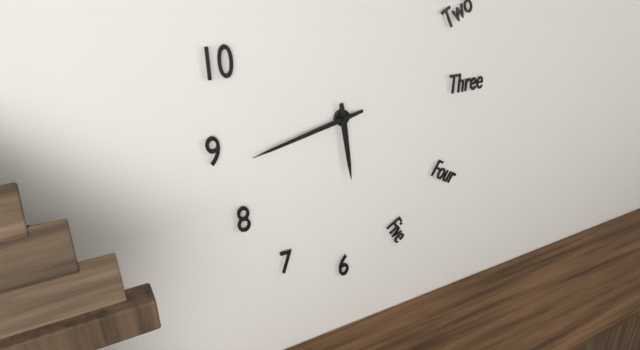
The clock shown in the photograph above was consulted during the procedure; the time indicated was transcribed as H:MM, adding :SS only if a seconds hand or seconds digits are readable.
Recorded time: 5:43
